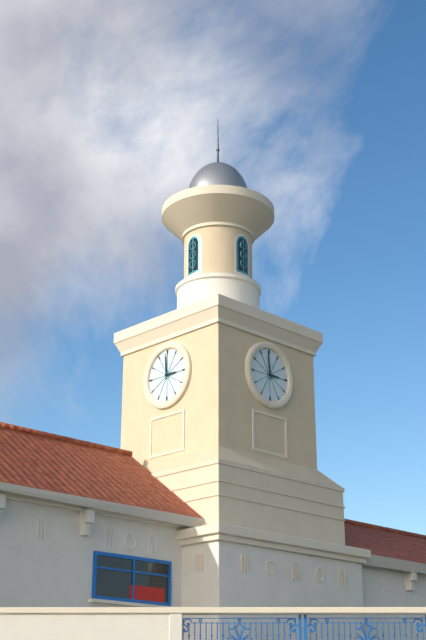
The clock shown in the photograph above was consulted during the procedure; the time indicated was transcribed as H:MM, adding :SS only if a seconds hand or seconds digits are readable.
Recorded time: 2:59
